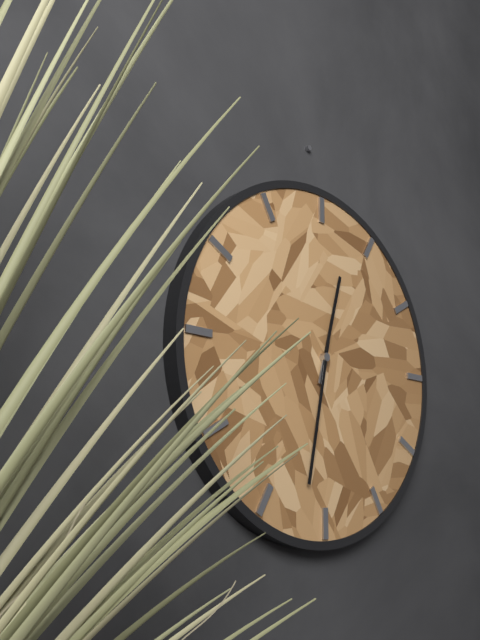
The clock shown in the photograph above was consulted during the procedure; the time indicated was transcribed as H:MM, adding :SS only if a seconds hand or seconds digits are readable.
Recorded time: 12:32
